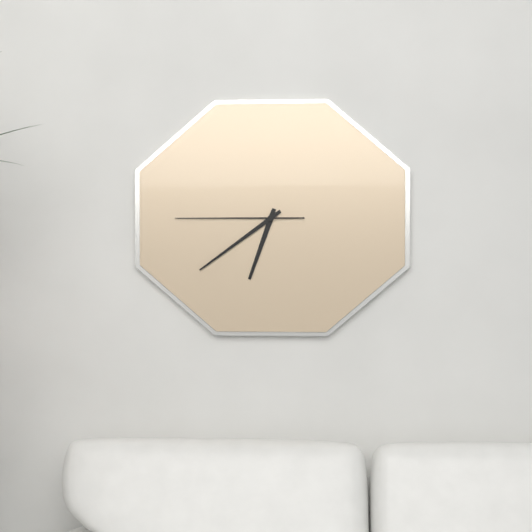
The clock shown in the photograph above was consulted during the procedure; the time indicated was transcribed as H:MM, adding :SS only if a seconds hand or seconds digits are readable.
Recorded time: 6:39:45
